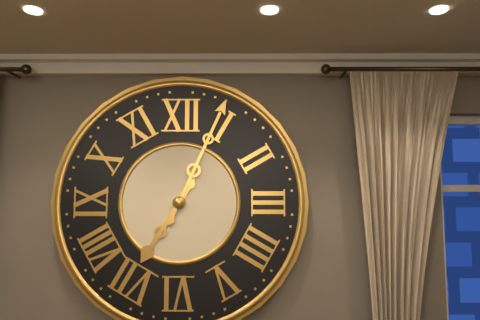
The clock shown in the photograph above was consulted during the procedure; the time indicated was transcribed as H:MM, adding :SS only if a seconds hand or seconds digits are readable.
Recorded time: 7:04
